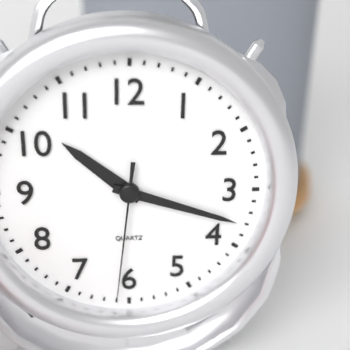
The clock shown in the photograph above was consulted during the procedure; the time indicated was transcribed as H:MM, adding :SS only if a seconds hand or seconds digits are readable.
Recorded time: 10:18:31
